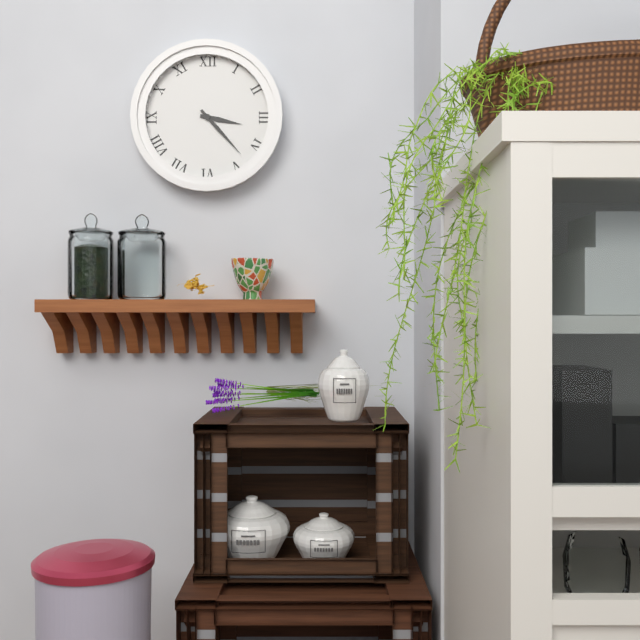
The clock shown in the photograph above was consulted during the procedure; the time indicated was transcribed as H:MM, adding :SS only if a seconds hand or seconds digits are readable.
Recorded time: 3:23
